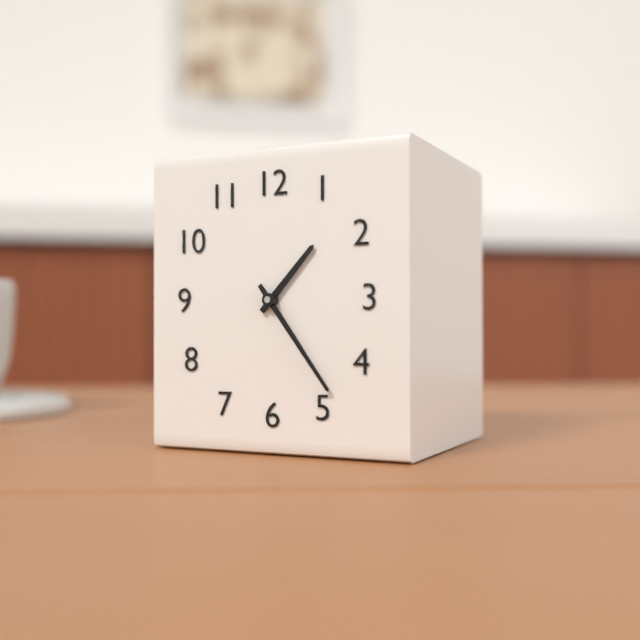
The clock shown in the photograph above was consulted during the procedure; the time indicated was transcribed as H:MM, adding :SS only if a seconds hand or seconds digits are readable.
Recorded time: 1:24
